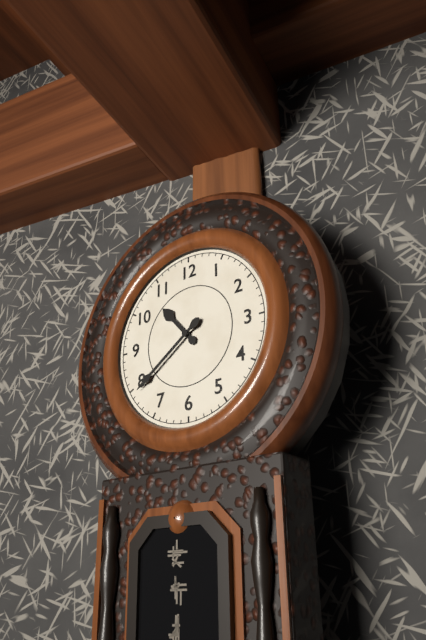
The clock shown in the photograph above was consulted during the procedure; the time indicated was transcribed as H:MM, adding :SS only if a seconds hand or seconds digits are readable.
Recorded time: 10:39
